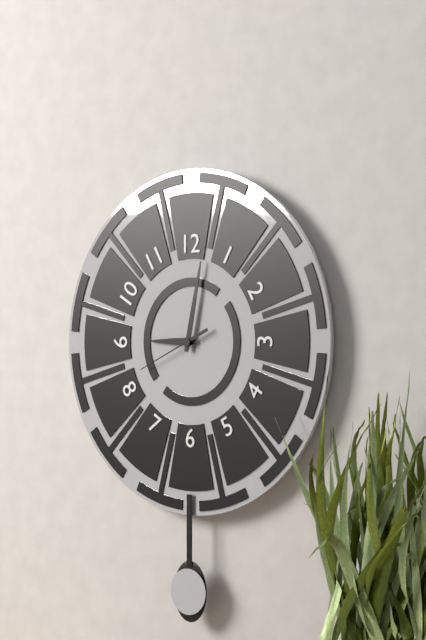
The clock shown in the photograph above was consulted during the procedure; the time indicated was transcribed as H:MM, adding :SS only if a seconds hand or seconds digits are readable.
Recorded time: 9:02:41
